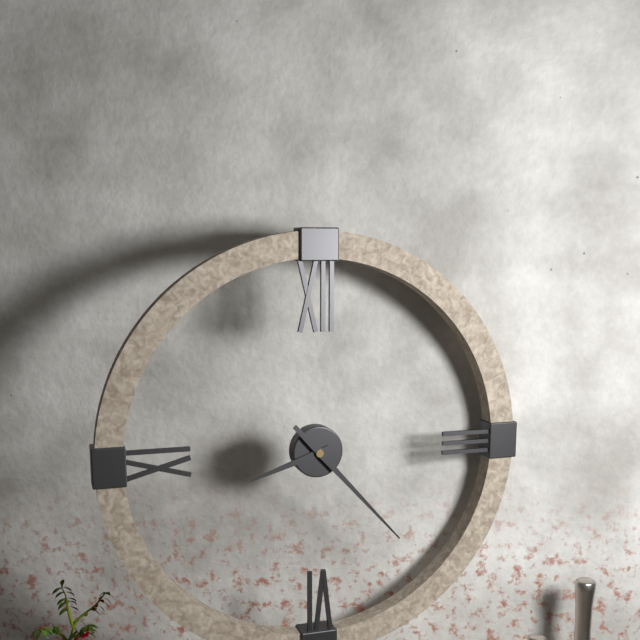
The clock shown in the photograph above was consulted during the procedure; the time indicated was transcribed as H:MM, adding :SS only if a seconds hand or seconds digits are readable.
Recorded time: 8:23
